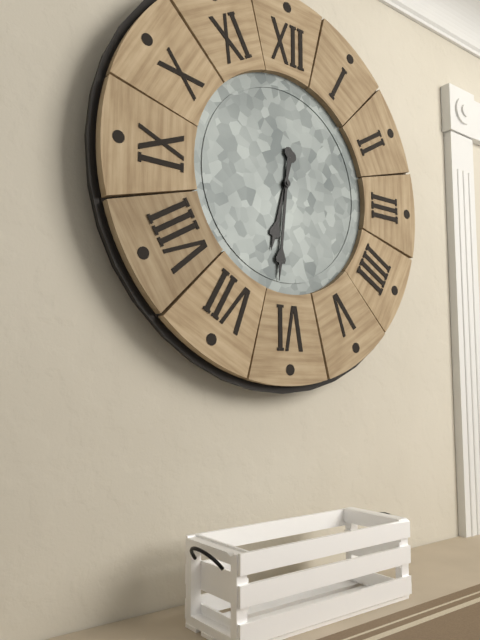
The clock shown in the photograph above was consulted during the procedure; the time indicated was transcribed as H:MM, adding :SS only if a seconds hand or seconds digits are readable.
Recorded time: 6:31
